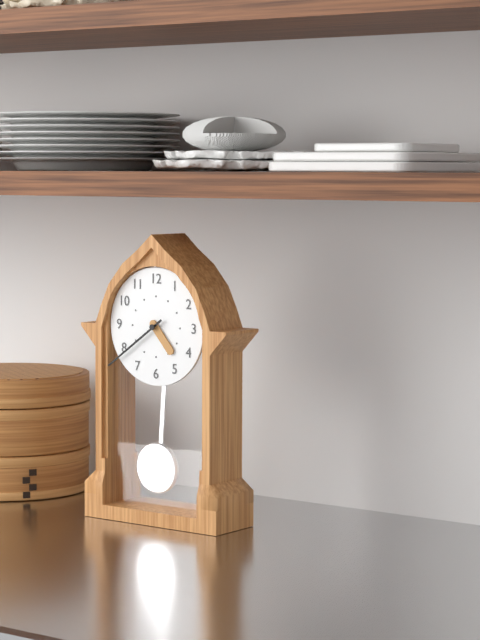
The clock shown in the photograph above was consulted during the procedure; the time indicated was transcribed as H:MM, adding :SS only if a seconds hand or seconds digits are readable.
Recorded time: 4:39
